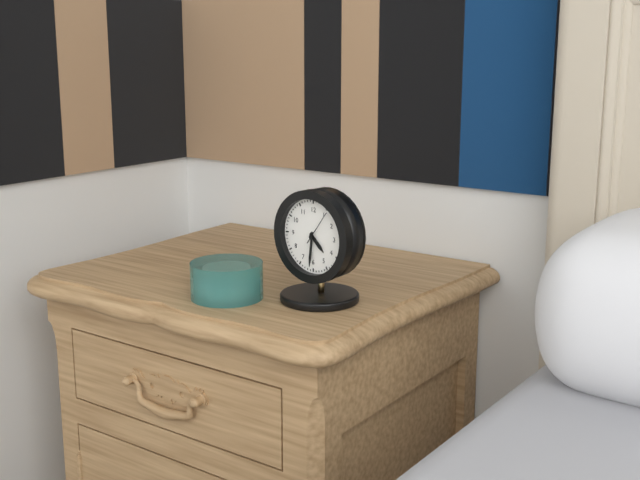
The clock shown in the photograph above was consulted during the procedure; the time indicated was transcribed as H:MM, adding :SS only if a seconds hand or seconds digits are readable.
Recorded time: 4:31
